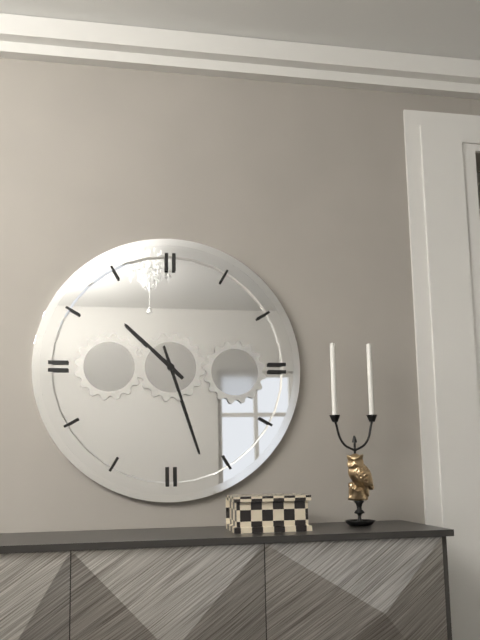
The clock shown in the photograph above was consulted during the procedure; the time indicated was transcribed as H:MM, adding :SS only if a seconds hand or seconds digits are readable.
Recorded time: 10:27
